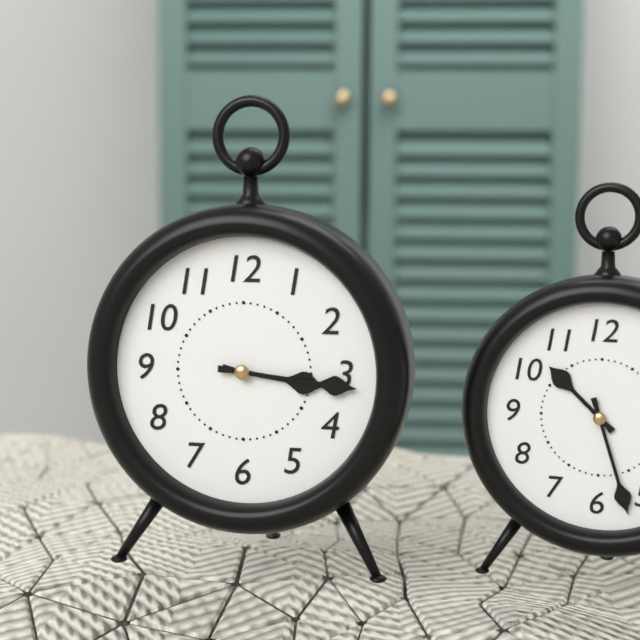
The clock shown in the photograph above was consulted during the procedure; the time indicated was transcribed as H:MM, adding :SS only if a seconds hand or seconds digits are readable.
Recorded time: 3:16
